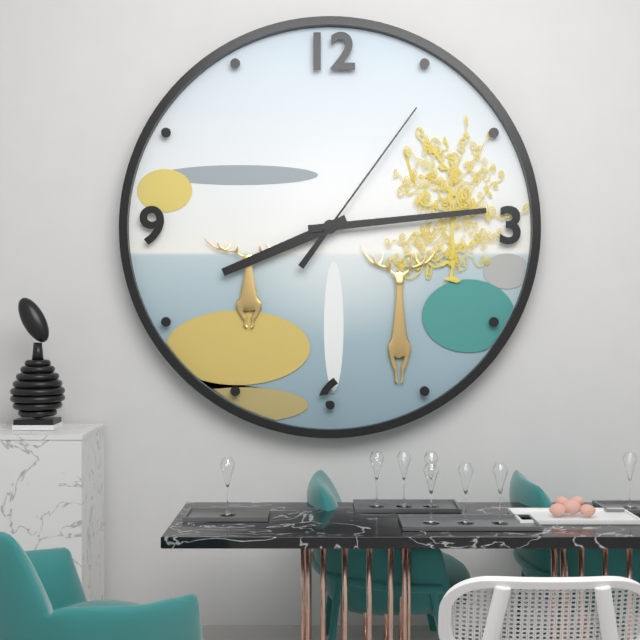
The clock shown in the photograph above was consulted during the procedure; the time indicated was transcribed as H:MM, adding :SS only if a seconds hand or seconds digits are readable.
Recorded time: 8:14:06
